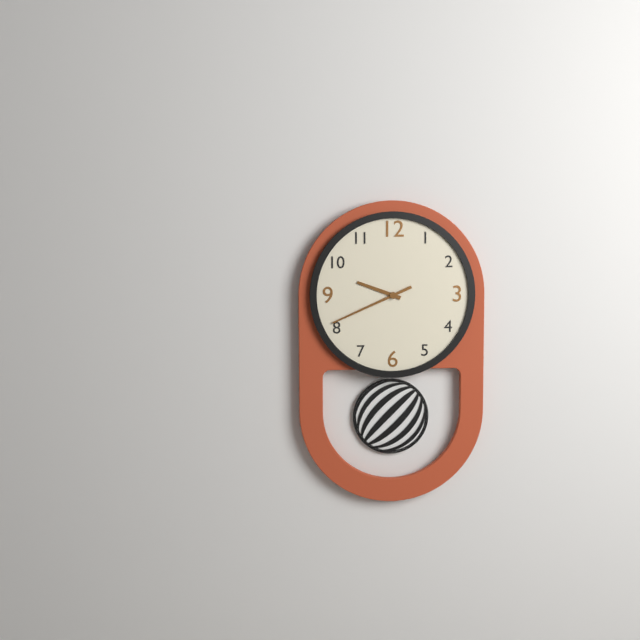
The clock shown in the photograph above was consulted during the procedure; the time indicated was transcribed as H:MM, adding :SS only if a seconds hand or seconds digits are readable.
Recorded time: 9:41
